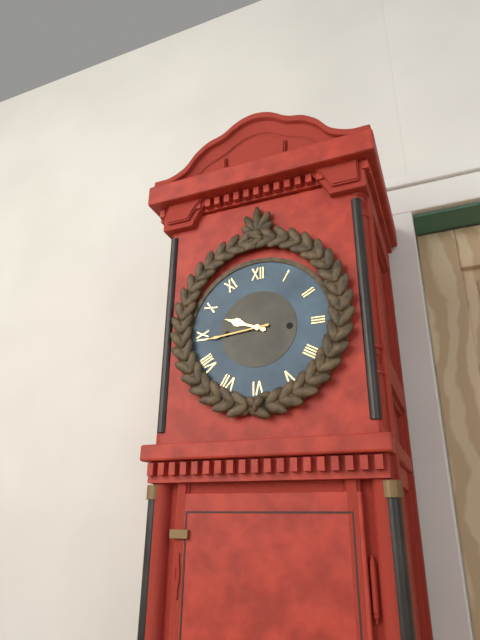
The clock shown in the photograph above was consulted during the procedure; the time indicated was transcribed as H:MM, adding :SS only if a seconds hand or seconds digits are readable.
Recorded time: 9:44
